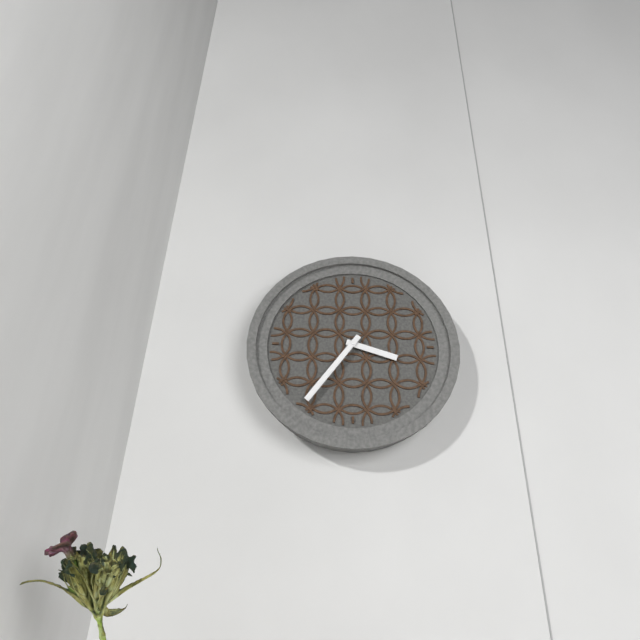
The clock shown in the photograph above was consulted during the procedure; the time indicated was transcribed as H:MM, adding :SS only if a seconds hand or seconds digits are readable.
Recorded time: 3:36
